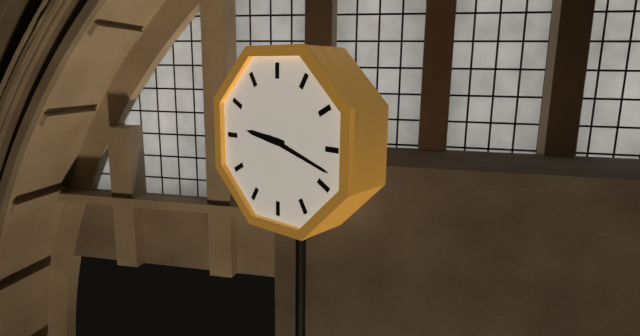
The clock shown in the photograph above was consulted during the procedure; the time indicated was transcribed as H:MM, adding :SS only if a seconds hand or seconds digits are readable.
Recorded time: 9:18
